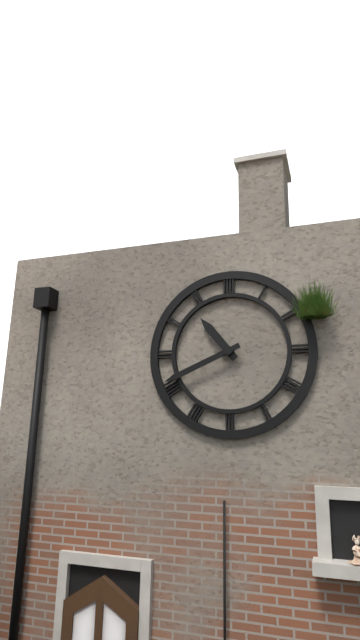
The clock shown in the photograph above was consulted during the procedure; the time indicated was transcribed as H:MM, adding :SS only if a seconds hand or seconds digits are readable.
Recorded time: 10:41
